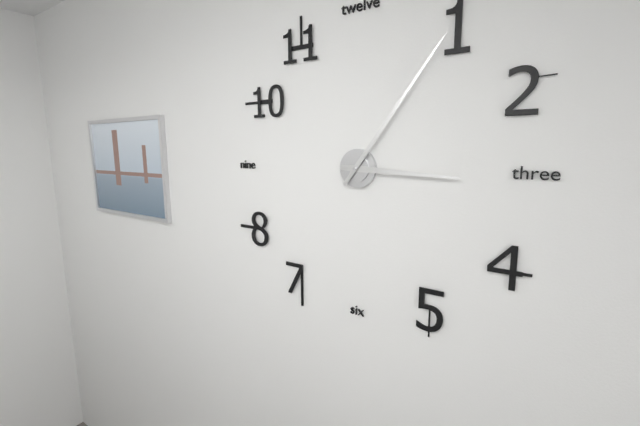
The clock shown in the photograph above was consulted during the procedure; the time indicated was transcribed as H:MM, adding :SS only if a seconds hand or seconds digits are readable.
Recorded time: 3:06
